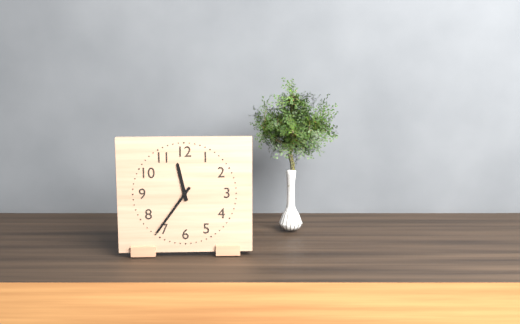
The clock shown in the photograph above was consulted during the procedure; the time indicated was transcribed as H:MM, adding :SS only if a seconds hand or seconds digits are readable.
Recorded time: 11:36
